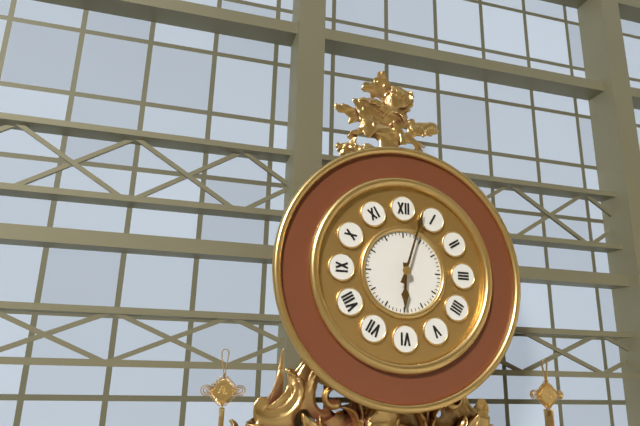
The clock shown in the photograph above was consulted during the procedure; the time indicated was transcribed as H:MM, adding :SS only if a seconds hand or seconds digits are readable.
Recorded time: 6:03
